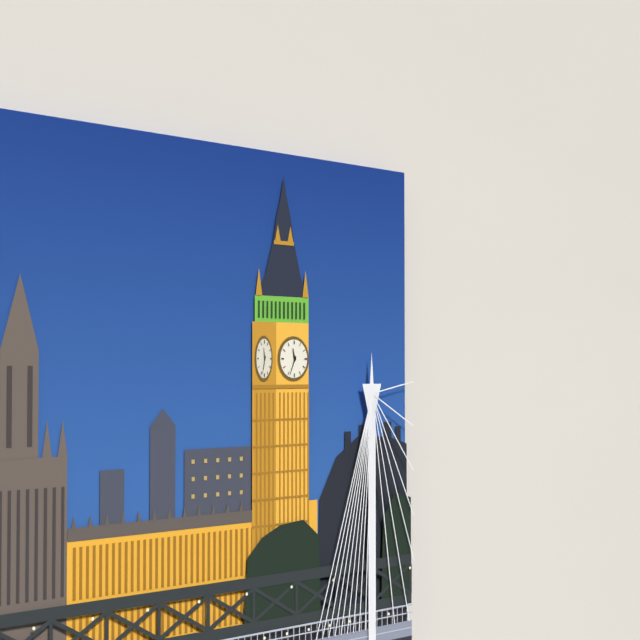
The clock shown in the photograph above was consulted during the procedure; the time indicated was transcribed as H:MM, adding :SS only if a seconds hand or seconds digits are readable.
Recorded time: 11:34
